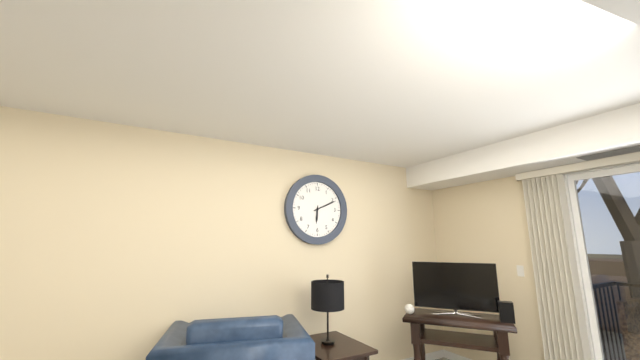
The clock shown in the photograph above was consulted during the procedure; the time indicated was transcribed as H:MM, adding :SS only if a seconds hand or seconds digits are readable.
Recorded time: 6:11
